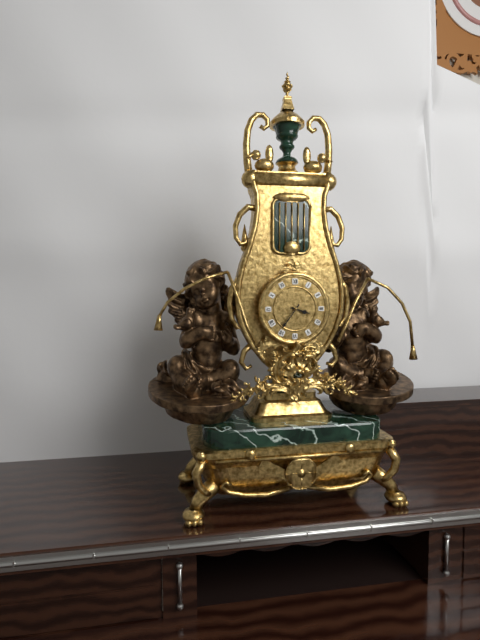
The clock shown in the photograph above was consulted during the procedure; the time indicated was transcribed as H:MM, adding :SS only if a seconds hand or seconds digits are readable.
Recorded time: 3:36
